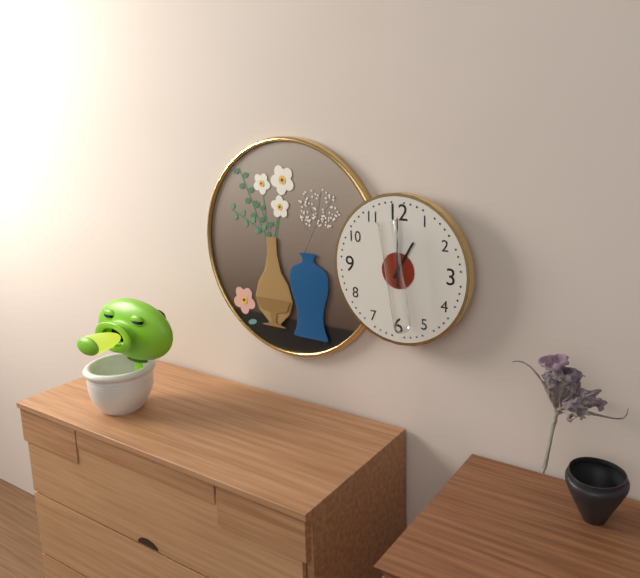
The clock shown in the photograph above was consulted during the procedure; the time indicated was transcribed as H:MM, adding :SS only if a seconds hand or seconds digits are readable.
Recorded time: 1:00
